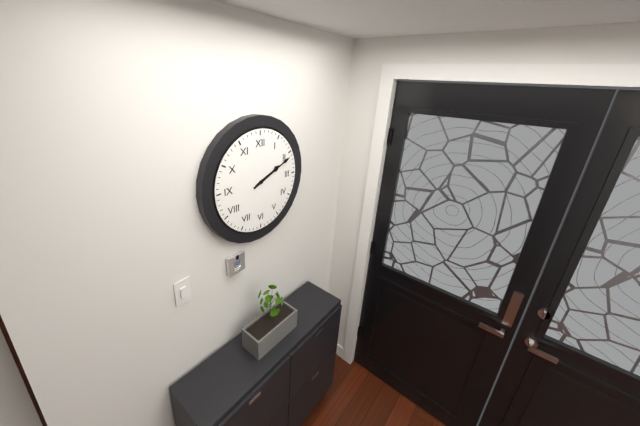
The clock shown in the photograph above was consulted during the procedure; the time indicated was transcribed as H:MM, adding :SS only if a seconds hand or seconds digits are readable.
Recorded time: 2:11
